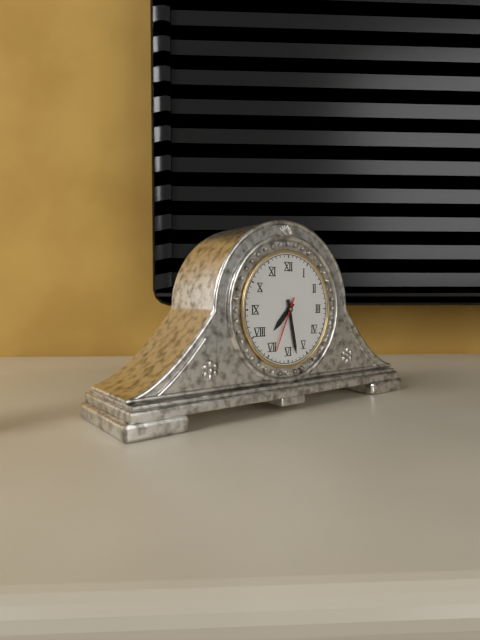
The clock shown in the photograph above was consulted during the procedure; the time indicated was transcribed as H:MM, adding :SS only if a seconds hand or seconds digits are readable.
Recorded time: 7:28:34
